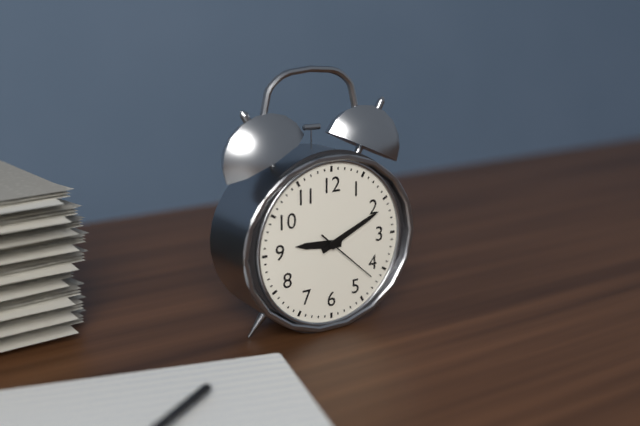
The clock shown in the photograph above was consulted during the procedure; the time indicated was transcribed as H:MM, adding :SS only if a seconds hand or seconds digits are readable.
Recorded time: 9:11:22
